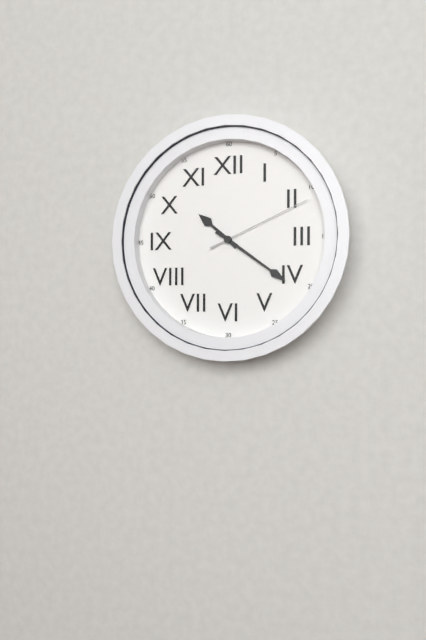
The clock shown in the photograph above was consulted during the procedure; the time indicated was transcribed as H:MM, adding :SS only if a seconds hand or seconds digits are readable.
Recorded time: 10:21:11
